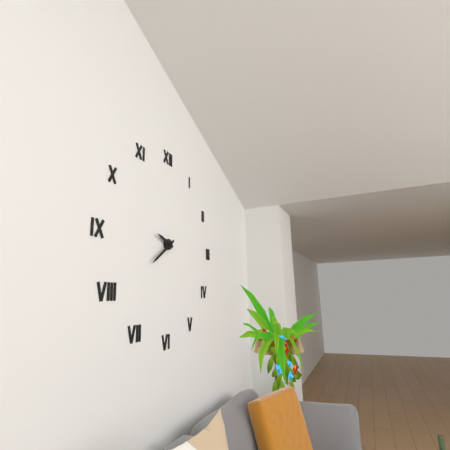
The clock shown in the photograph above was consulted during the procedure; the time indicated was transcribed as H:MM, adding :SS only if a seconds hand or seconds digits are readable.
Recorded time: 9:39
